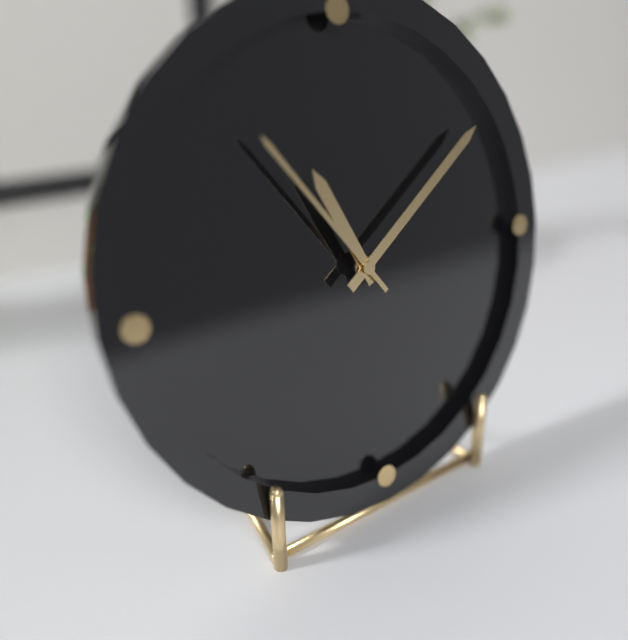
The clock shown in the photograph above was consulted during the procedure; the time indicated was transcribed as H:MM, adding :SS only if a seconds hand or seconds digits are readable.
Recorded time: 11:09:54
